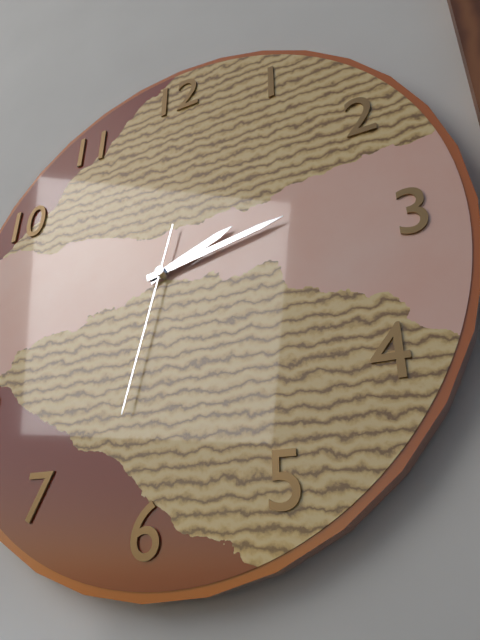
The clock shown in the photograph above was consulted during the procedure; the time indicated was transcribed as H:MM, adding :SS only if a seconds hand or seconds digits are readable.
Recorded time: 2:13:32
